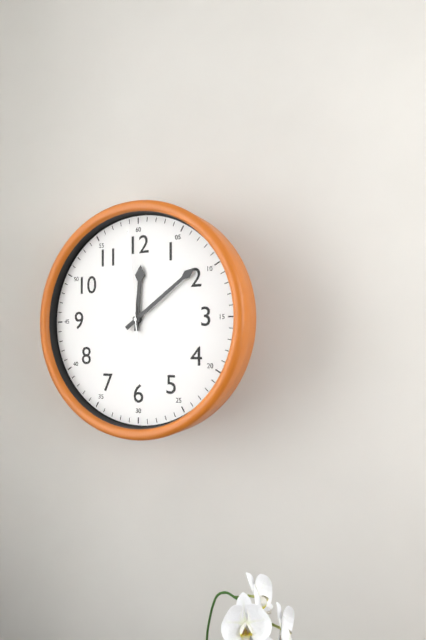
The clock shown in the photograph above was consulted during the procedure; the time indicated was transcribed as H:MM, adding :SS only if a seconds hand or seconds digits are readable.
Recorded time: 12:09:59
